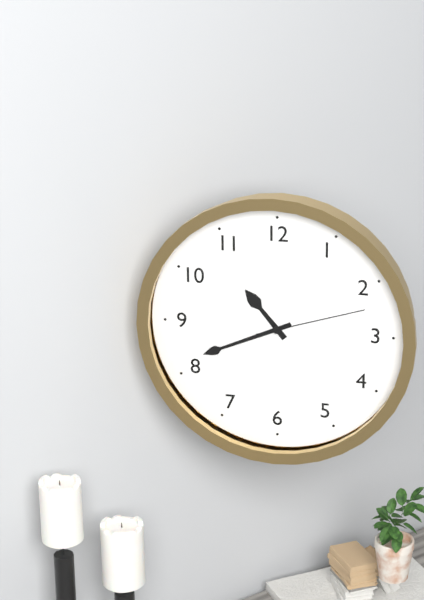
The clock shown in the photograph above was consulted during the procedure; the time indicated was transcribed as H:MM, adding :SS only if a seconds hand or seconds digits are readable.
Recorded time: 10:41:12
